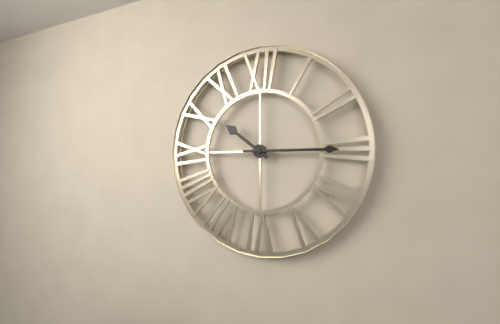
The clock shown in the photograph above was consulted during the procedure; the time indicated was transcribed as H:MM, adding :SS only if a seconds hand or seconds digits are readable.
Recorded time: 10:15
